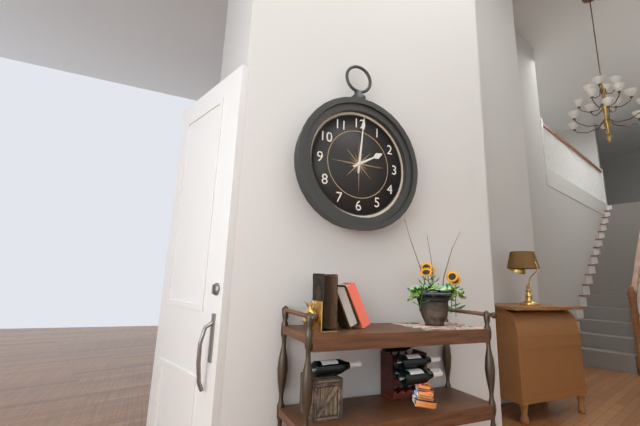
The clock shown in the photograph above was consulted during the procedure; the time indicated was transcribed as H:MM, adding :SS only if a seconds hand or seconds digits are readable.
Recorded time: 2:01
